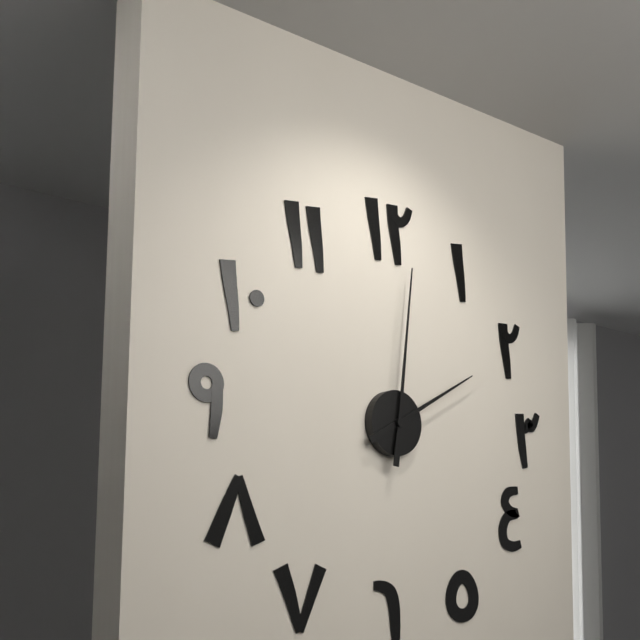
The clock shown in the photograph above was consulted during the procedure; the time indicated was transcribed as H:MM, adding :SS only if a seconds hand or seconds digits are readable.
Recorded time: 2:01
